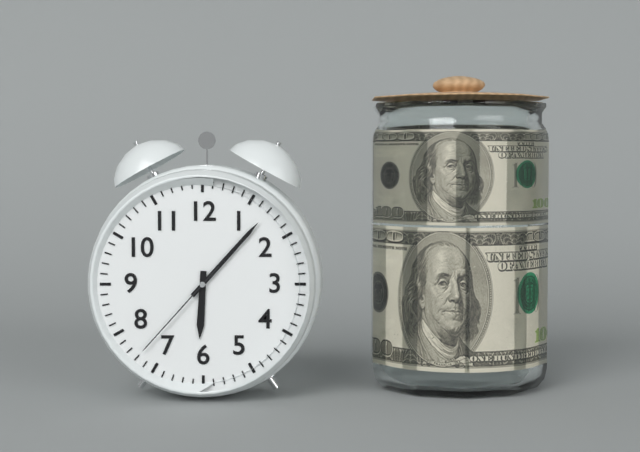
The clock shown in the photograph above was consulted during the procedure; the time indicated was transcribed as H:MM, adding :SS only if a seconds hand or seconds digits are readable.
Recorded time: 6:07:37
